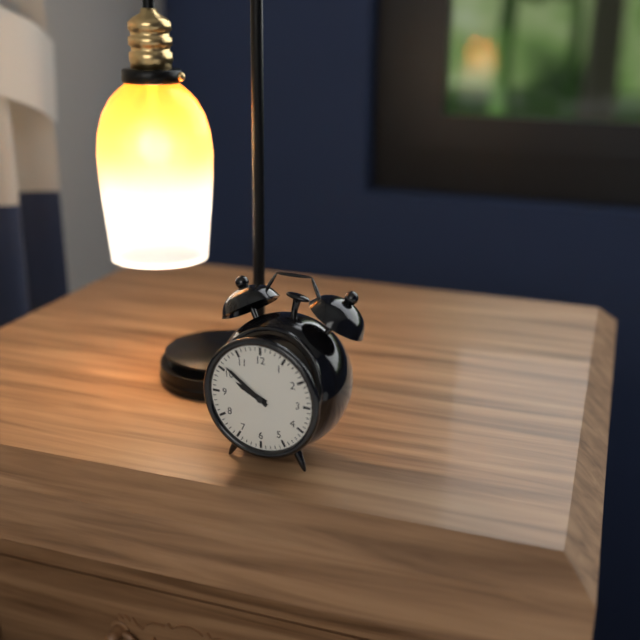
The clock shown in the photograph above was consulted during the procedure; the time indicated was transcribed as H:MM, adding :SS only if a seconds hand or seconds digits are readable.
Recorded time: 9:51
